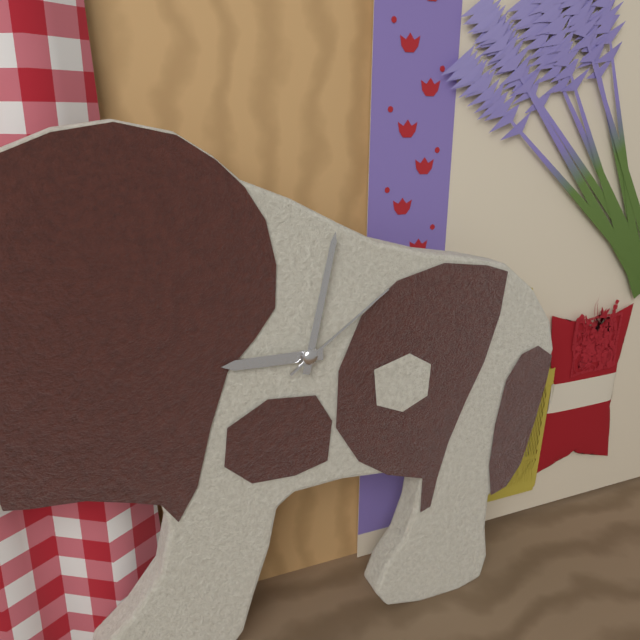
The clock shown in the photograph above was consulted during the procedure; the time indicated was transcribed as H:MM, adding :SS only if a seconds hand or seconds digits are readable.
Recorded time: 9:02:09
